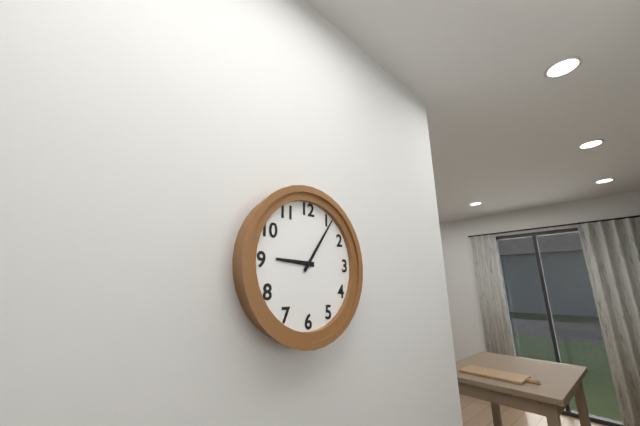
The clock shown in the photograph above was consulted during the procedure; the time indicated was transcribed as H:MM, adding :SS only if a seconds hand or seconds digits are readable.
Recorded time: 9:06
